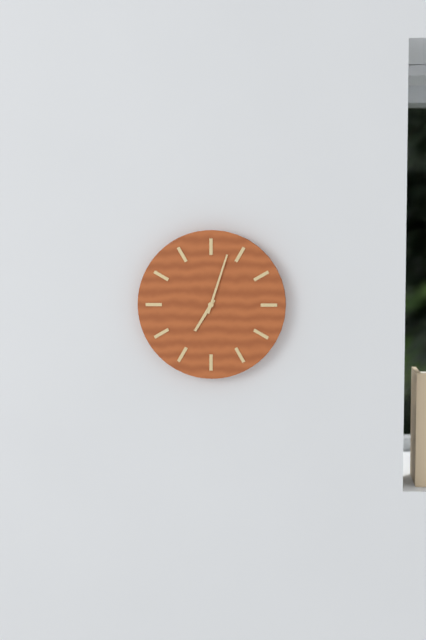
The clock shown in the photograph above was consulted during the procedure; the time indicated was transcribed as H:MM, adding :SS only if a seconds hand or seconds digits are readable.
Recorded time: 7:03
